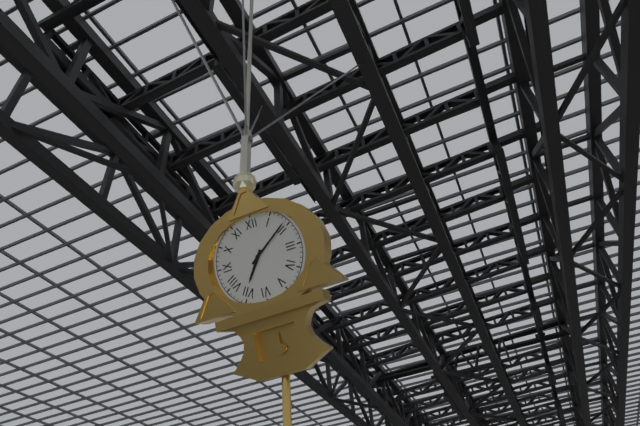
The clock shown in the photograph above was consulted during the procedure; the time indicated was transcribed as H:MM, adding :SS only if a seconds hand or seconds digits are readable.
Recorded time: 7:09
